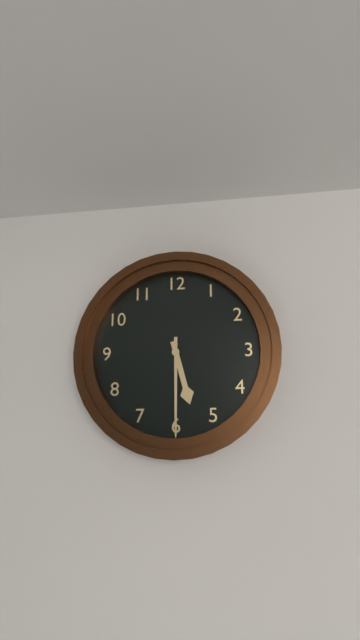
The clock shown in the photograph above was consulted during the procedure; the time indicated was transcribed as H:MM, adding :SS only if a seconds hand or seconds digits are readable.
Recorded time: 5:30
